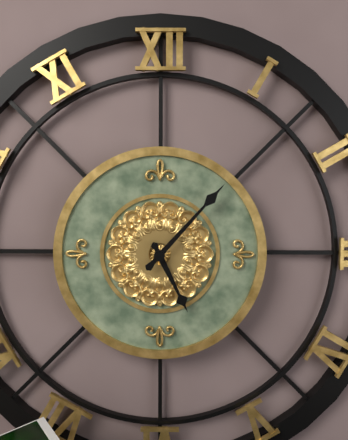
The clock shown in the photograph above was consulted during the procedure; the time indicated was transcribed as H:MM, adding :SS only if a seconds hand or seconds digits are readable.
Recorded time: 5:07
